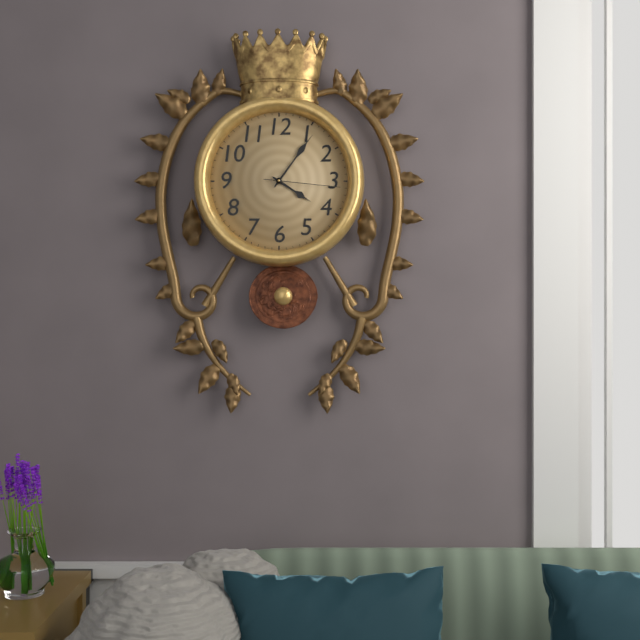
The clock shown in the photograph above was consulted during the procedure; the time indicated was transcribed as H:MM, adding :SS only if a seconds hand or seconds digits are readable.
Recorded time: 4:06:16
